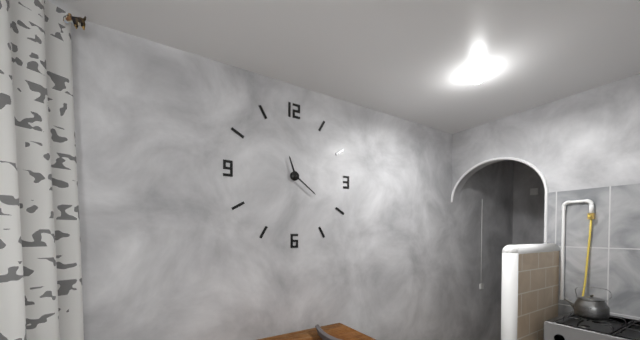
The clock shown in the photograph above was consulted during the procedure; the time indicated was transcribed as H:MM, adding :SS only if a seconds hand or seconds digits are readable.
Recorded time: 11:21
